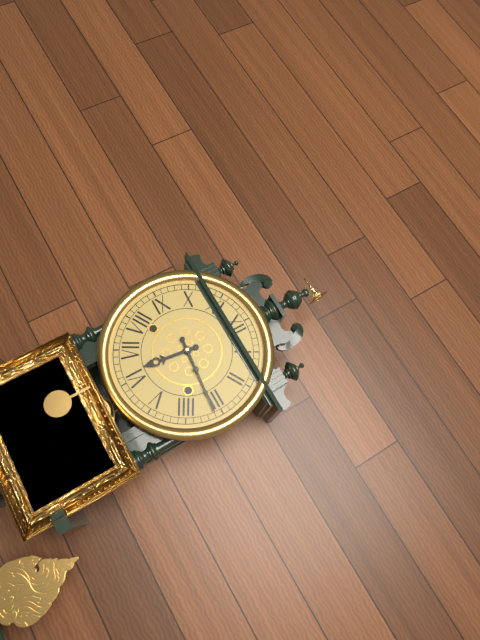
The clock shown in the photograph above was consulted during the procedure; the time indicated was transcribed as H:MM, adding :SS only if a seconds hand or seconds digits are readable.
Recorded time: 6:16
